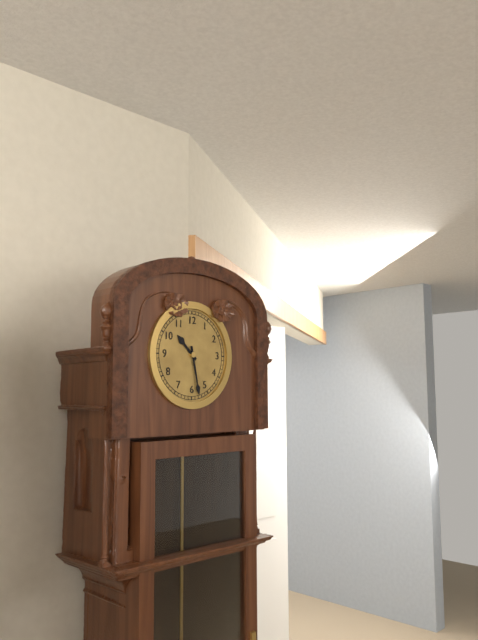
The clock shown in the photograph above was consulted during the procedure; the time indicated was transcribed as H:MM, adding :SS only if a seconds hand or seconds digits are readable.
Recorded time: 10:28
